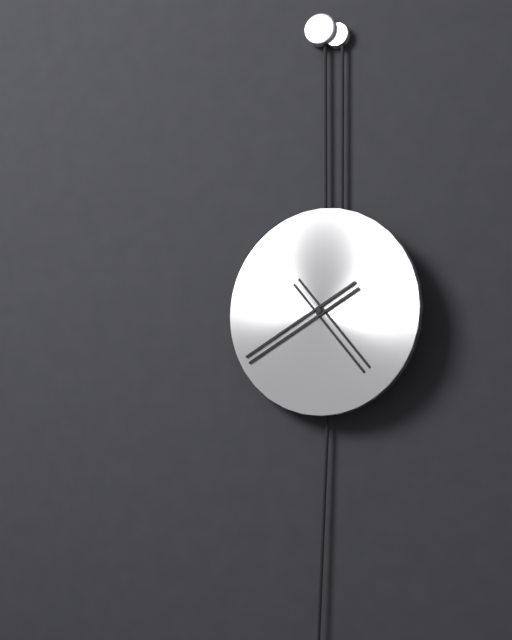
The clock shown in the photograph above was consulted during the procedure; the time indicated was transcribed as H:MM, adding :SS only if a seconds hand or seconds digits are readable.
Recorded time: 4:40
